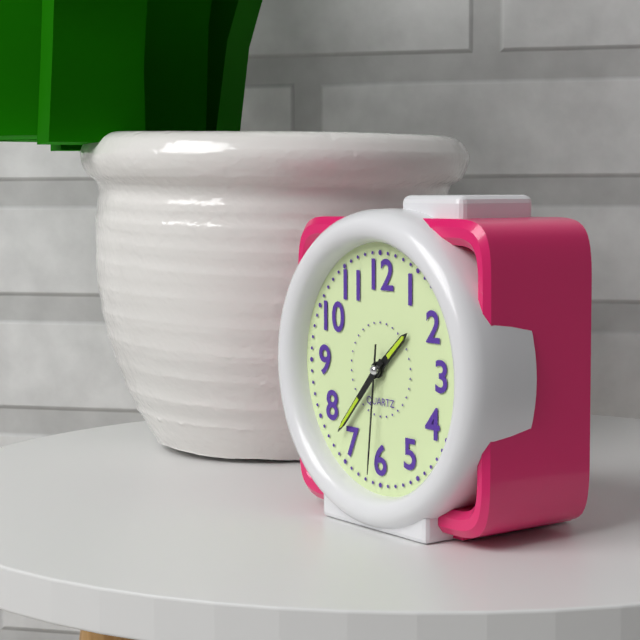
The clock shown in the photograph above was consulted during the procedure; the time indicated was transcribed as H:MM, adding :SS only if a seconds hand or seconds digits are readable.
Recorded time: 1:37:31
